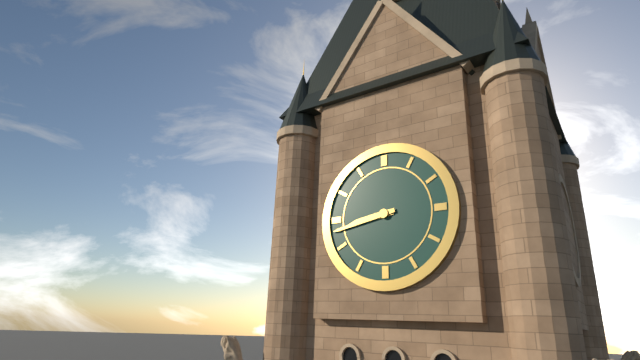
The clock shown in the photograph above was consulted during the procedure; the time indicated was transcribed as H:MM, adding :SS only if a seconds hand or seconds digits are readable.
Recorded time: 8:43
